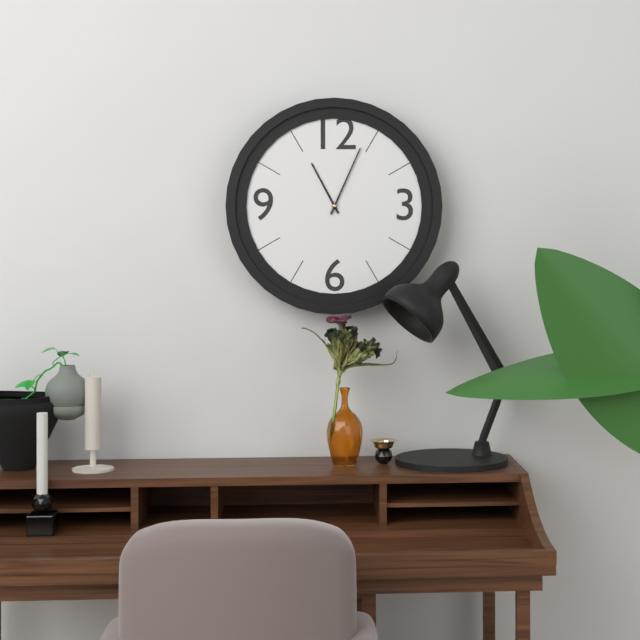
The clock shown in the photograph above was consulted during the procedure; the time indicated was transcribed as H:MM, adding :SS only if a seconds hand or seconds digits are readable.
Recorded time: 11:04
